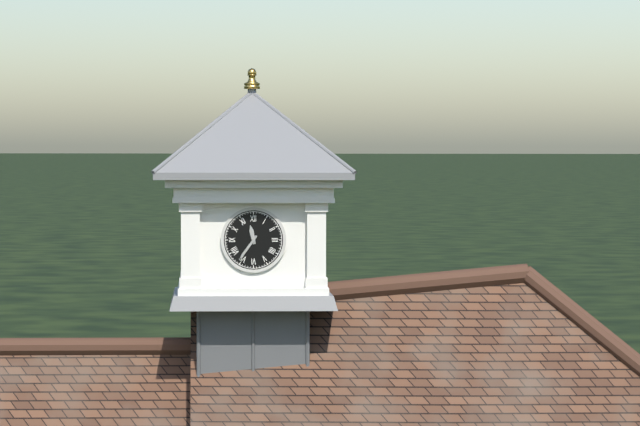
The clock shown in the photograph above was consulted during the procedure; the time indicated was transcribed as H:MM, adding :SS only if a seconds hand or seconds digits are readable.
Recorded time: 11:36
